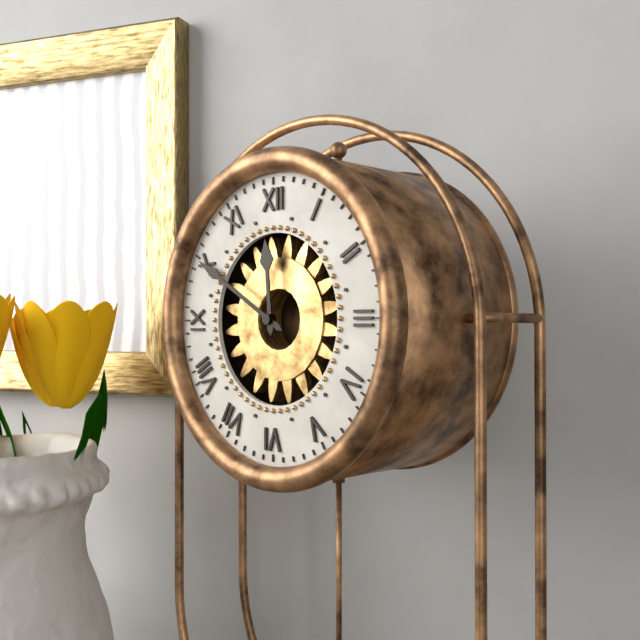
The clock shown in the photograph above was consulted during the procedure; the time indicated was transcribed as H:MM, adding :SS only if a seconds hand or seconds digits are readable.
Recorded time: 11:50
